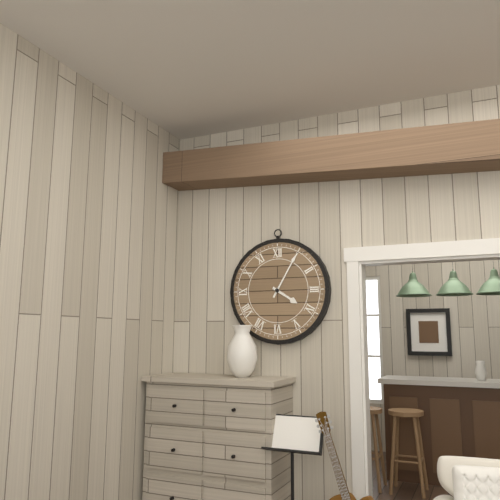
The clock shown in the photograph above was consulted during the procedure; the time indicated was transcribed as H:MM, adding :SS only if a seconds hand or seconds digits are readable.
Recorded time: 4:05
